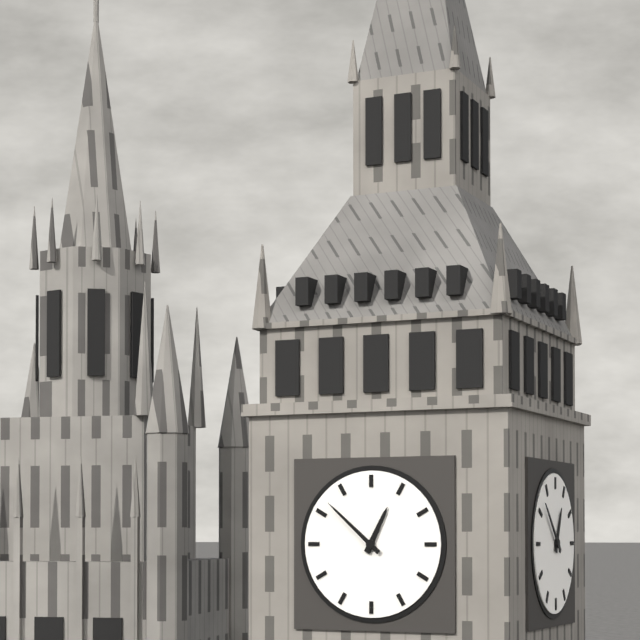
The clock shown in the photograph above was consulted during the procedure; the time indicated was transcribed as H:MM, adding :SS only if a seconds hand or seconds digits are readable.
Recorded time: 12:52
